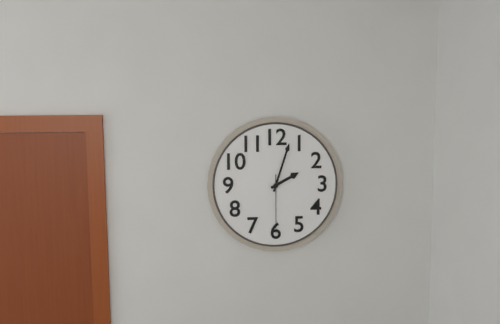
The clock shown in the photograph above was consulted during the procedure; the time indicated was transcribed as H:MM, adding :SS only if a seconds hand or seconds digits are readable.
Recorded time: 2:03:30
